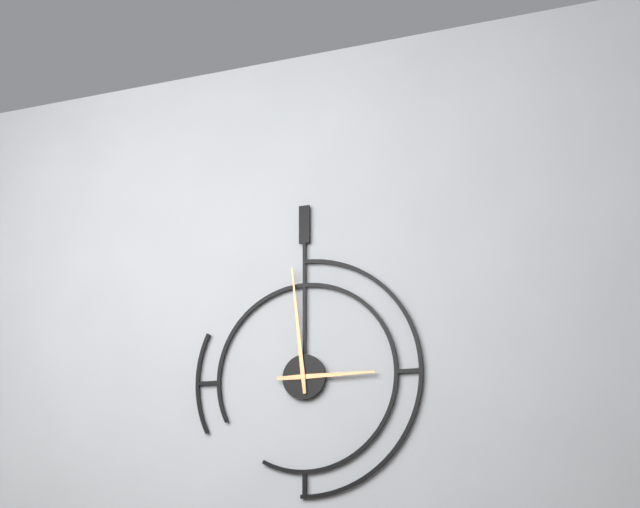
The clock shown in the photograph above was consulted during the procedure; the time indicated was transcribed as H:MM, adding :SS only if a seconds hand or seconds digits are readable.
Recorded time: 2:59
